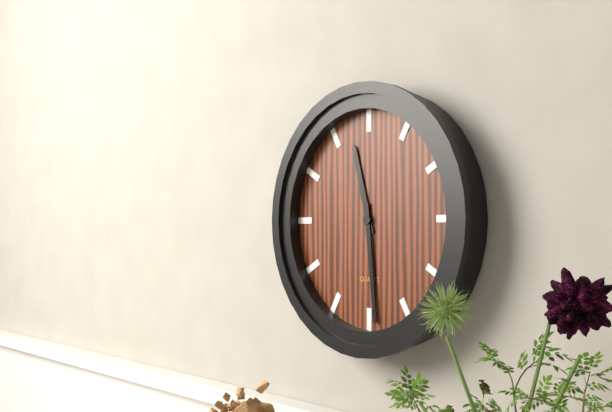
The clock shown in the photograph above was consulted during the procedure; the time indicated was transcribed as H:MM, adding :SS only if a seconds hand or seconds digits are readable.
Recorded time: 11:29
